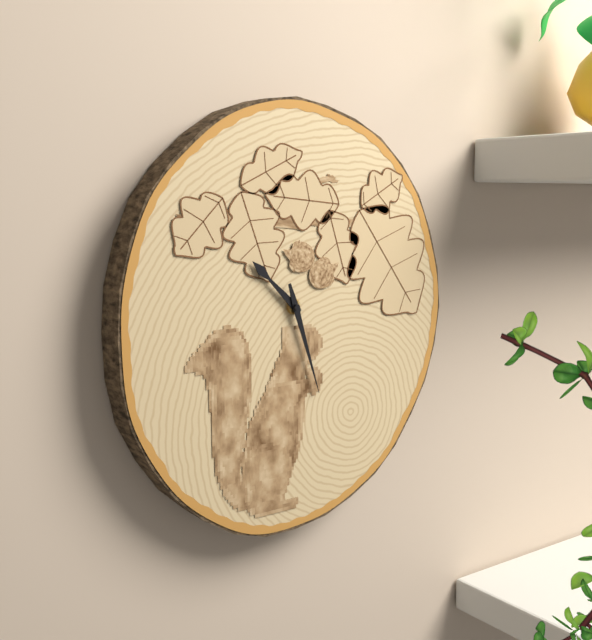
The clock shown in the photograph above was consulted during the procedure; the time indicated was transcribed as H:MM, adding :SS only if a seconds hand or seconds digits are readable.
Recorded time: 10:27
